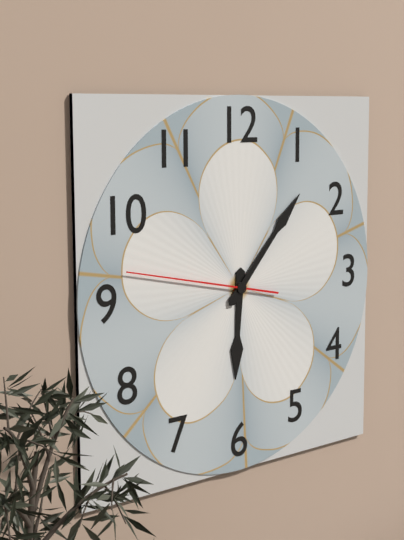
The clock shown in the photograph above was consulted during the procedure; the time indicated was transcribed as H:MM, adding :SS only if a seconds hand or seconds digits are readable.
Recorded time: 6:07:47
